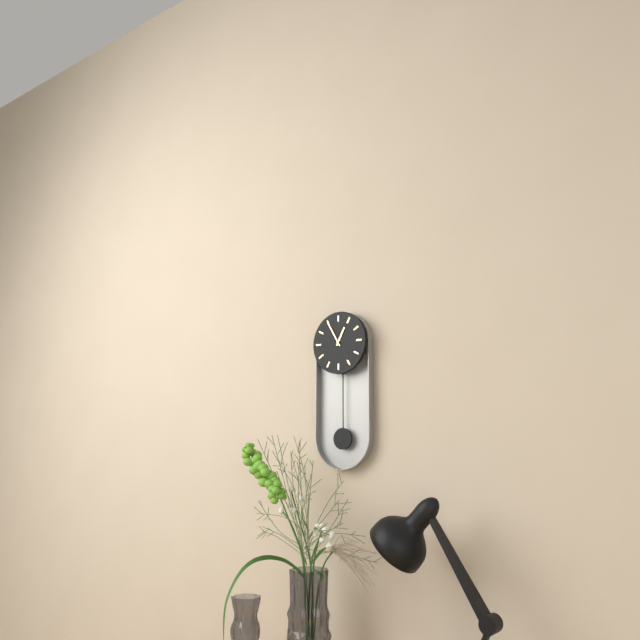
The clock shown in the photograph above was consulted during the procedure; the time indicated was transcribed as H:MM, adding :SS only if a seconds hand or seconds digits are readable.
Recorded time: 12:55
